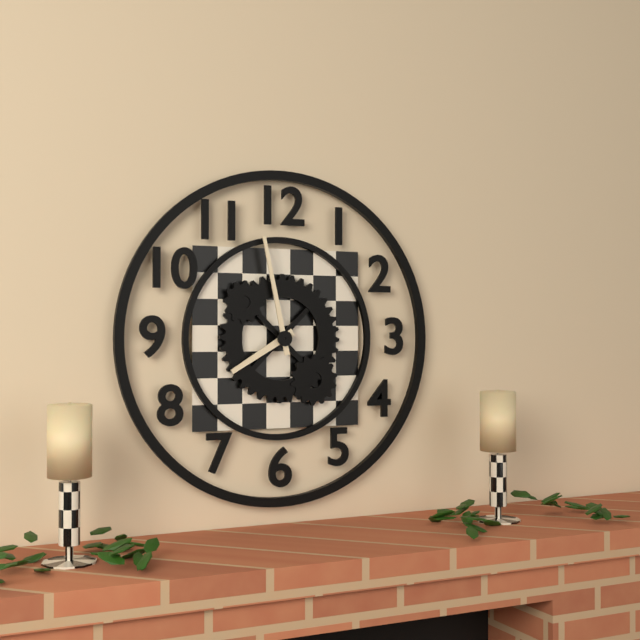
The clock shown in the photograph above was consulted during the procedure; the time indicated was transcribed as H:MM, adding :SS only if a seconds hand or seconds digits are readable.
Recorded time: 7:58
